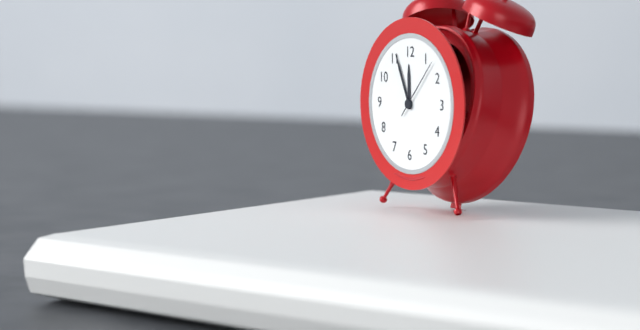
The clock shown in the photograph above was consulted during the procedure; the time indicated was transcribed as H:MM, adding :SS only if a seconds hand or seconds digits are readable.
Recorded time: 11:56:07
